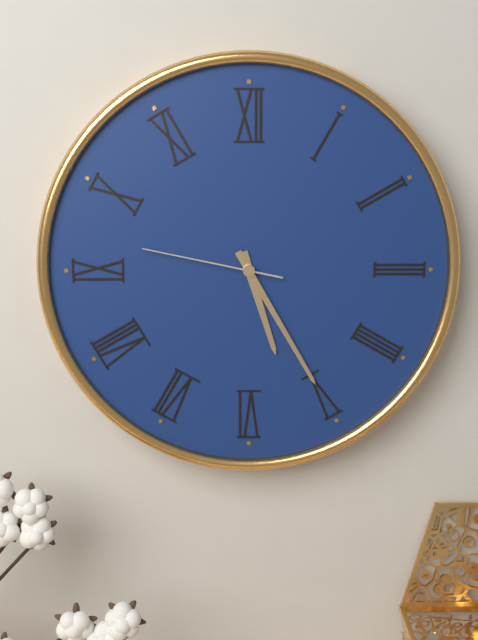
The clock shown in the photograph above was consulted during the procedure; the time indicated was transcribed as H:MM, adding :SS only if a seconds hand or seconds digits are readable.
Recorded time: 5:25:47
